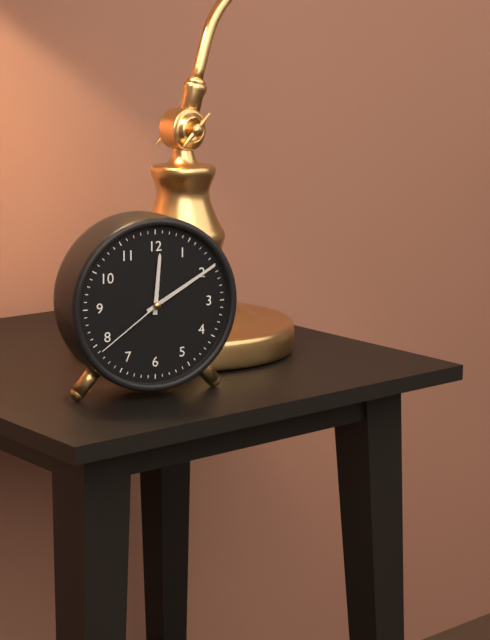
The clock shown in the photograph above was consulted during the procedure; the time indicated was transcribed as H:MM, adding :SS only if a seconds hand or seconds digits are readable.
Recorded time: 12:10:39
